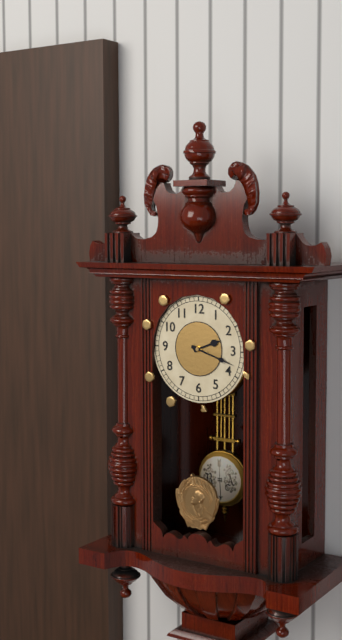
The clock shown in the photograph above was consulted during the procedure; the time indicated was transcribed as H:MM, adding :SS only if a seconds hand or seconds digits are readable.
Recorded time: 2:18
